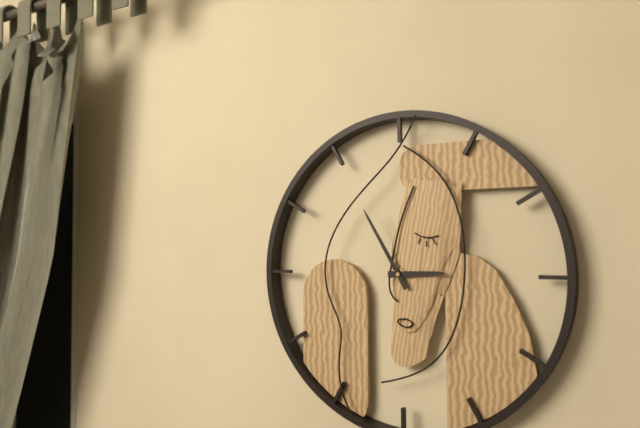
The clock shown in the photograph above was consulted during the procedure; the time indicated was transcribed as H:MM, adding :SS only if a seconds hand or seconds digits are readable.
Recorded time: 2:55
